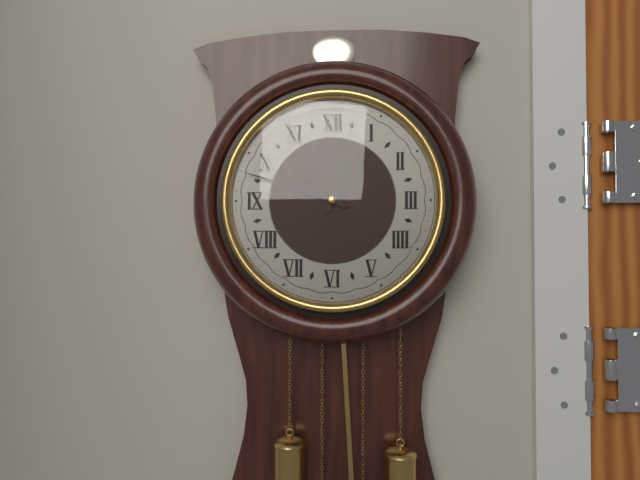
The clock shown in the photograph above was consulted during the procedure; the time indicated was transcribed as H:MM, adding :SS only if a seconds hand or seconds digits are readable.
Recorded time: 12:48
